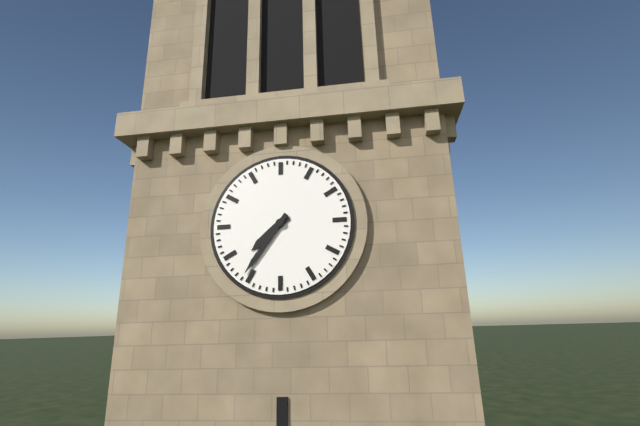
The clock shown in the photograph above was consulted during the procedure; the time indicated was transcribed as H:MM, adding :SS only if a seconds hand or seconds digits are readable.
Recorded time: 7:36
